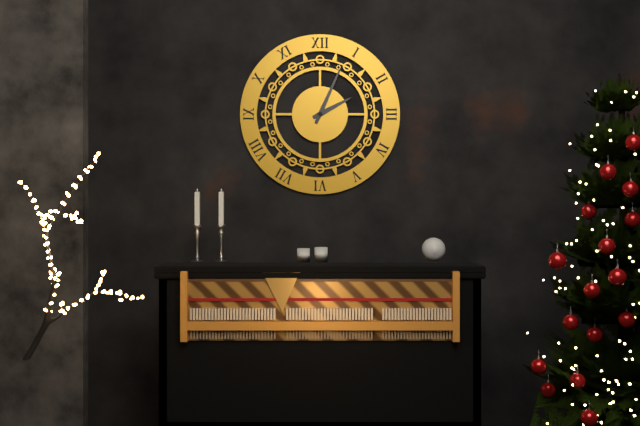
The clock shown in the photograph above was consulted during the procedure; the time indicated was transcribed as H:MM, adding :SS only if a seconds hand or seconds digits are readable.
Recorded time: 2:04
